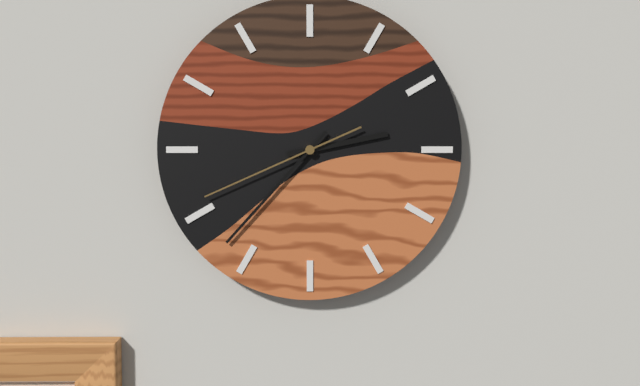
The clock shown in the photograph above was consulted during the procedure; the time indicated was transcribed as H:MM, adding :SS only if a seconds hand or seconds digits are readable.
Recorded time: 2:37:41
